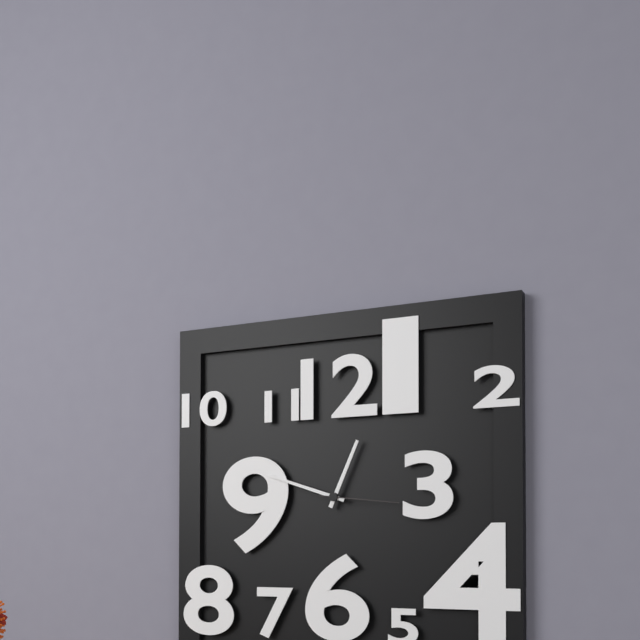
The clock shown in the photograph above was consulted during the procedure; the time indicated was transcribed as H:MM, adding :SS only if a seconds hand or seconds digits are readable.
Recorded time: 12:48:16
